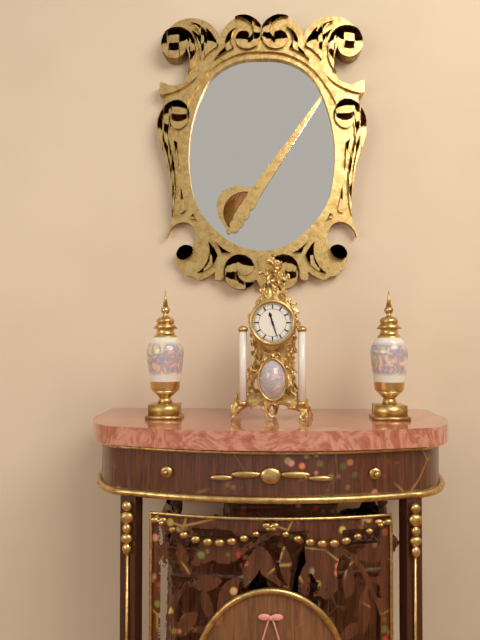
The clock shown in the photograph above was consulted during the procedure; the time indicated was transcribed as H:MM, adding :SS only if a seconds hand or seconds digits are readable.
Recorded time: 11:27
